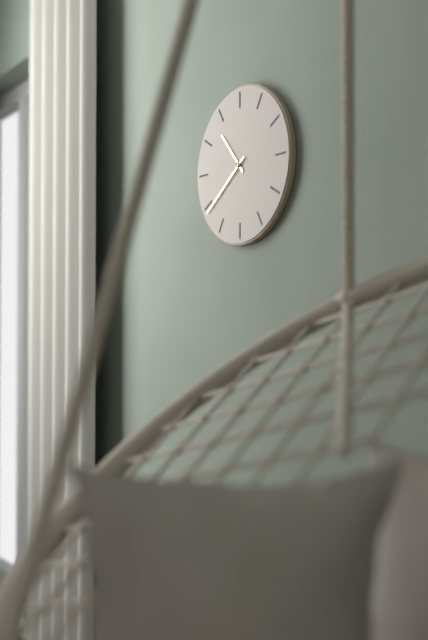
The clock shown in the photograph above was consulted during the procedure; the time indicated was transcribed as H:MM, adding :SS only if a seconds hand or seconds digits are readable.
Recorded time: 10:39
